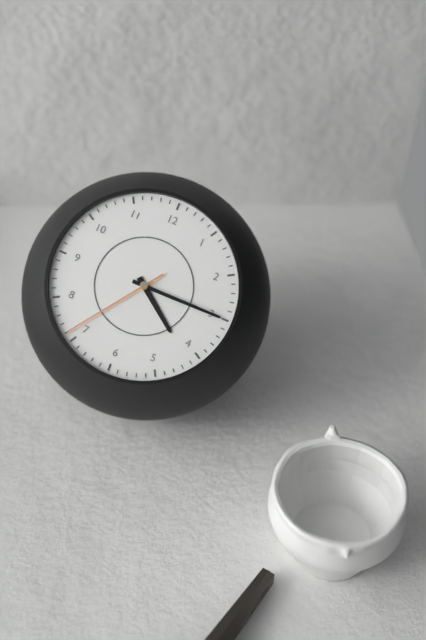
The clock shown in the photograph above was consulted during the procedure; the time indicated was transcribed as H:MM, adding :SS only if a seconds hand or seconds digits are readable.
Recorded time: 4:15:36
